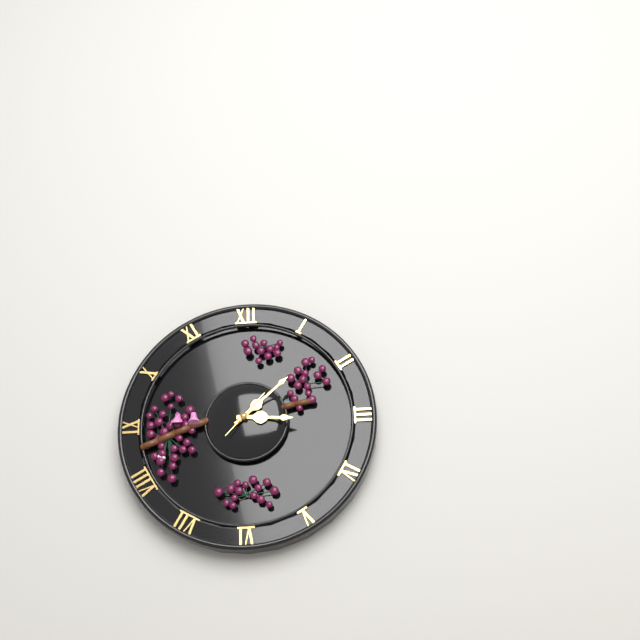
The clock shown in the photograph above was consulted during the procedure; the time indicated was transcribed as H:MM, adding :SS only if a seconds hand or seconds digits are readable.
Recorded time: 3:08
